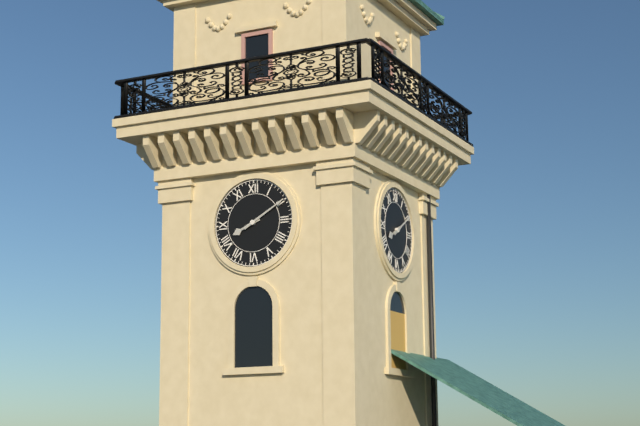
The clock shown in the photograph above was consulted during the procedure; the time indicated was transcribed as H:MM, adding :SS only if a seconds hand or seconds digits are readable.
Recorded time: 8:10
